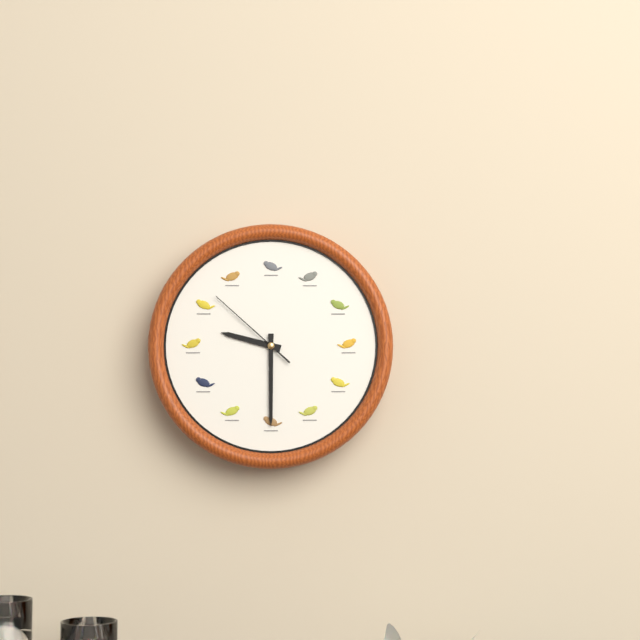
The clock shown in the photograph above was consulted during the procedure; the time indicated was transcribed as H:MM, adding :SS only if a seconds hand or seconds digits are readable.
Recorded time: 9:30:52
